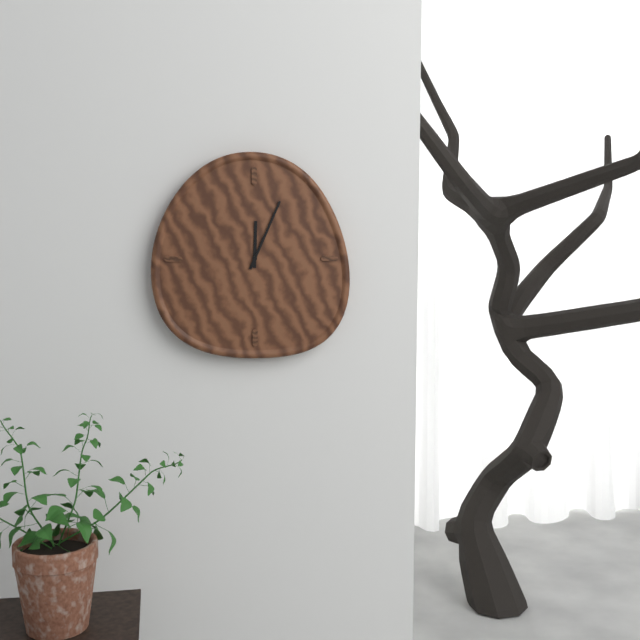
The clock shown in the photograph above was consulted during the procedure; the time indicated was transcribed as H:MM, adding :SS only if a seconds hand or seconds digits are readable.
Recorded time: 12:04
